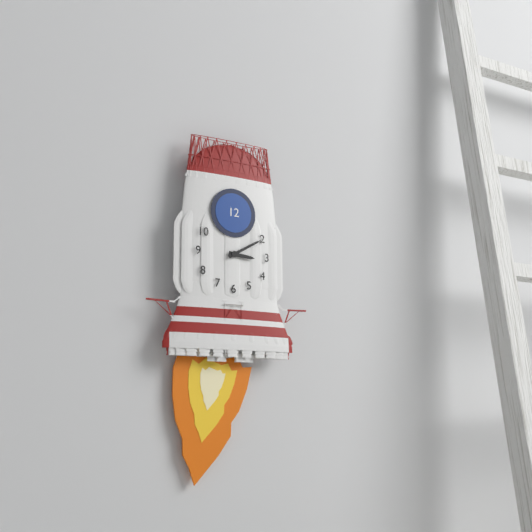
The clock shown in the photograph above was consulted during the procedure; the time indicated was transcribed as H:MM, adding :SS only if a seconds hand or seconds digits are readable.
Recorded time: 3:10
